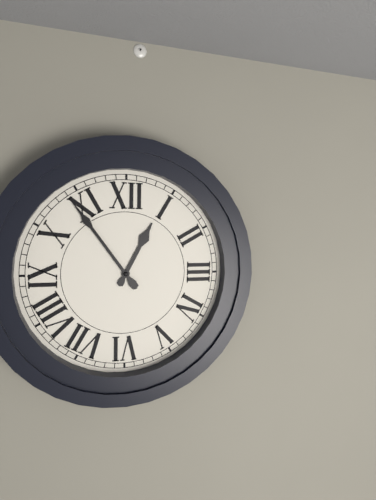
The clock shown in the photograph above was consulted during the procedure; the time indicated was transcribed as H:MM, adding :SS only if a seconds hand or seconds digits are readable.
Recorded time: 12:54
